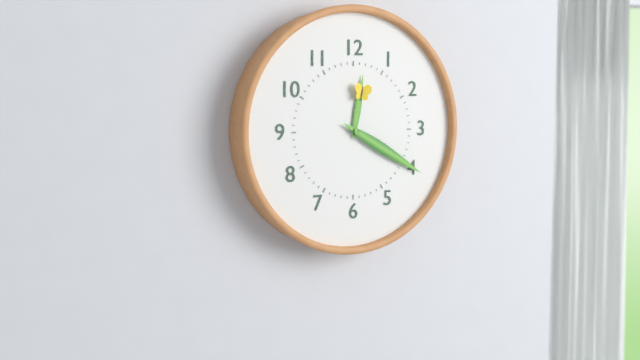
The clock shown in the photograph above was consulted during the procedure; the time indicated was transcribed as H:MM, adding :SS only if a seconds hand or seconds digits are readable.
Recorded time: 12:20
